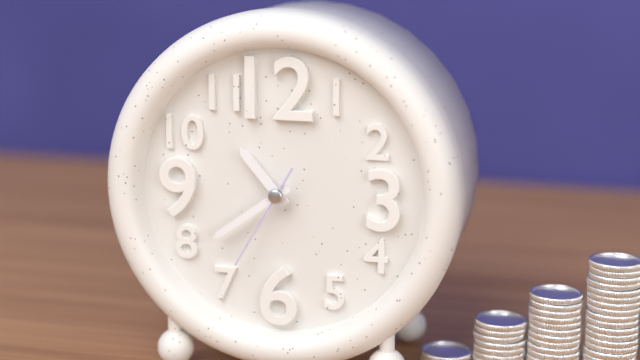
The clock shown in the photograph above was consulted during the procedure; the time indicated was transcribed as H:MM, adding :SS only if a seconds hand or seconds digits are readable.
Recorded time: 10:39:35
